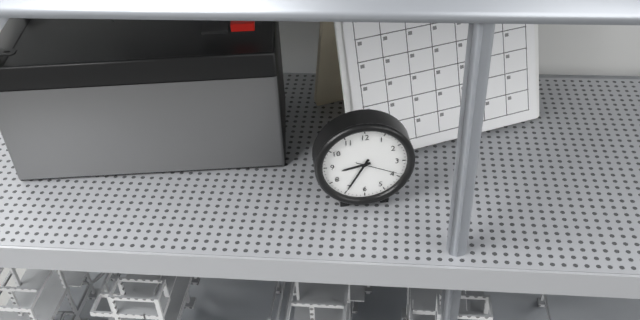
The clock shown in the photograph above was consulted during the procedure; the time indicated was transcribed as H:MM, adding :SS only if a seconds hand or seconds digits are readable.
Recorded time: 8:35
